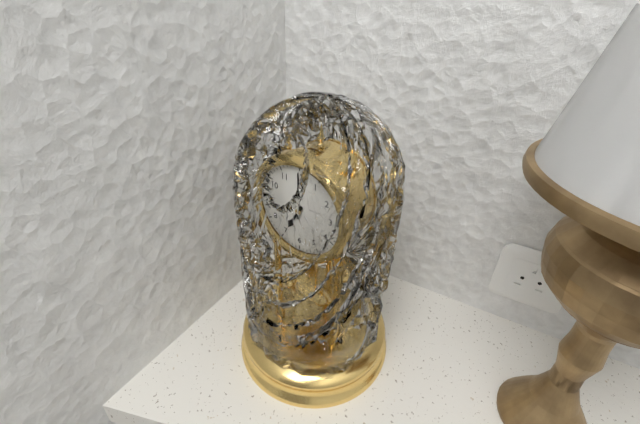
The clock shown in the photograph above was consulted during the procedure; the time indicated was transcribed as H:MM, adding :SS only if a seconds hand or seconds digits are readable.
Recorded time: 7:00
